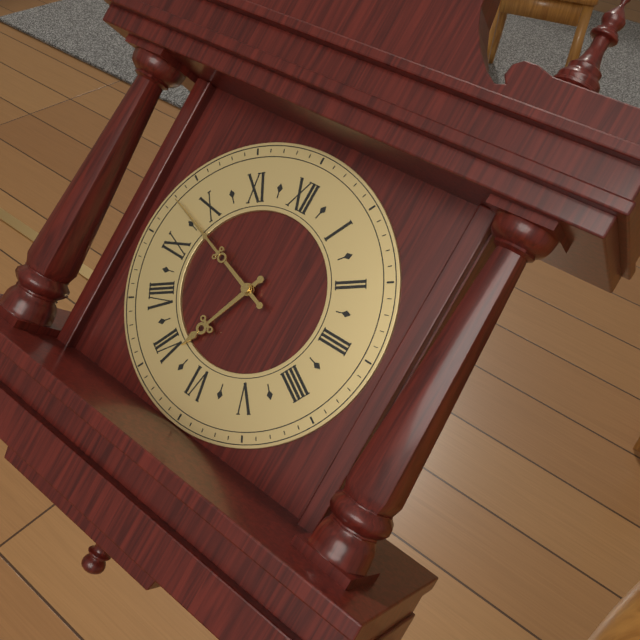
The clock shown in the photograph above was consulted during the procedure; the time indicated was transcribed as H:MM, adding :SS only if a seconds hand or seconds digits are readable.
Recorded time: 6:48
